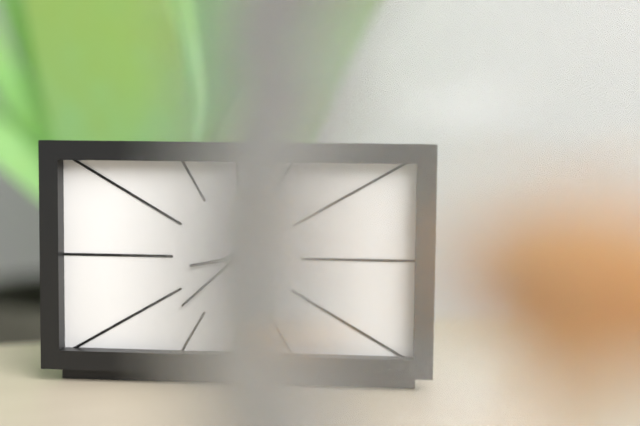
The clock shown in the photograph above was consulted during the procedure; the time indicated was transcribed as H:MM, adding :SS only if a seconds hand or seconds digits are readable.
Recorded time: 8:38:29
